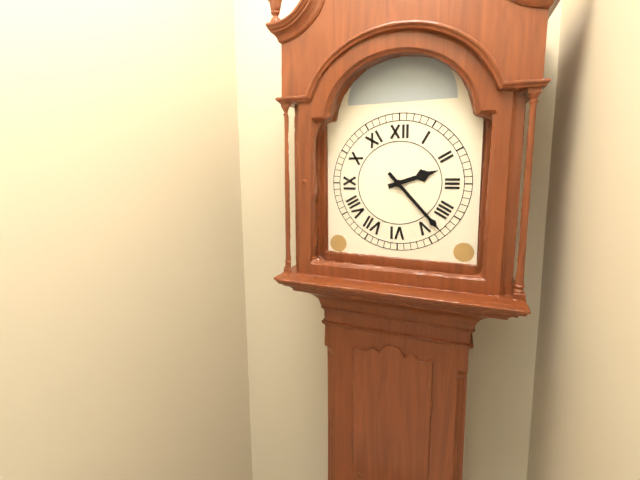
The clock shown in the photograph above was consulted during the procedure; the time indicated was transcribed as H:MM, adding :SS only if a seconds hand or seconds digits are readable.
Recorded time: 2:23
